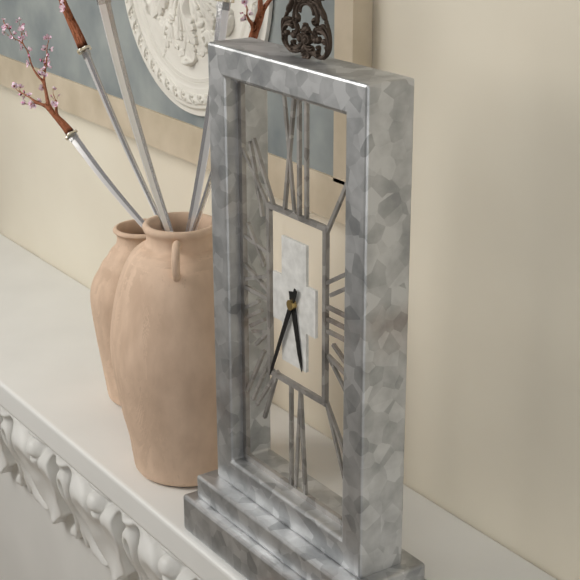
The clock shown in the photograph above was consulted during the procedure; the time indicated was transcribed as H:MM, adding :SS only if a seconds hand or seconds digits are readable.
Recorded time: 5:34
